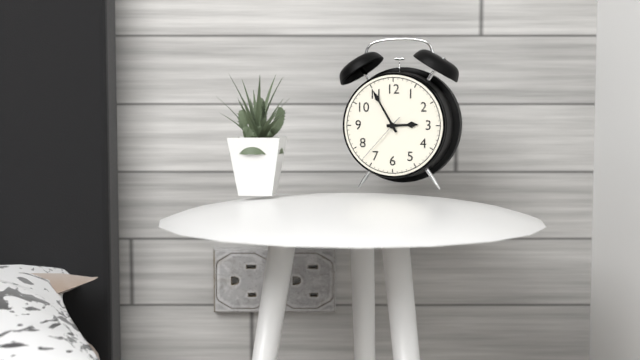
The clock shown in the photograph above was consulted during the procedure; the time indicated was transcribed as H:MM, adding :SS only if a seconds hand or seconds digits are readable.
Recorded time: 2:55:37
